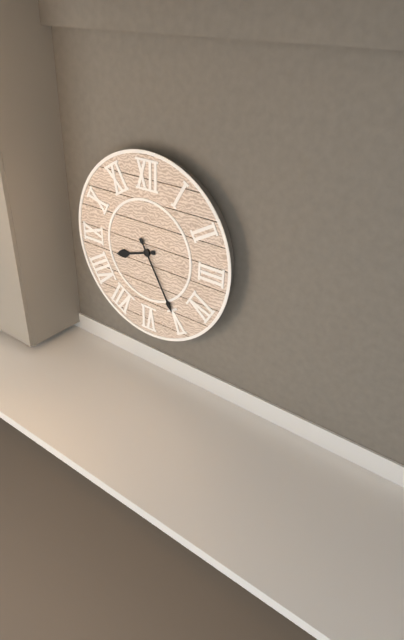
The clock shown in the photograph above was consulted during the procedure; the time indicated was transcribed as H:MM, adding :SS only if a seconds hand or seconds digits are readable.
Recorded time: 8:25
